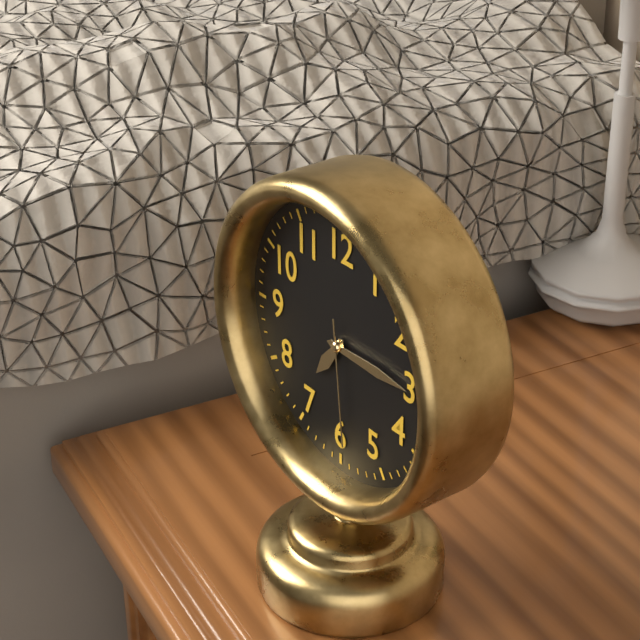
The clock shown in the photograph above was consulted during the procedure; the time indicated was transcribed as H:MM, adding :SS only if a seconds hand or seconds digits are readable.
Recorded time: 7:15:29
